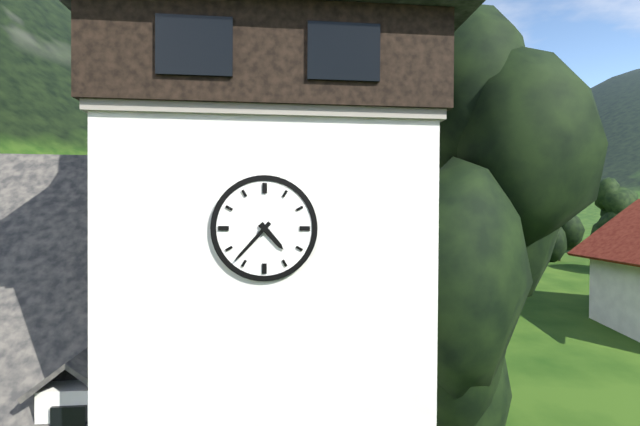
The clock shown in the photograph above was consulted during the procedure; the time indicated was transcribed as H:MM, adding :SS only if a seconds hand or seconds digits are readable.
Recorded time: 4:37
